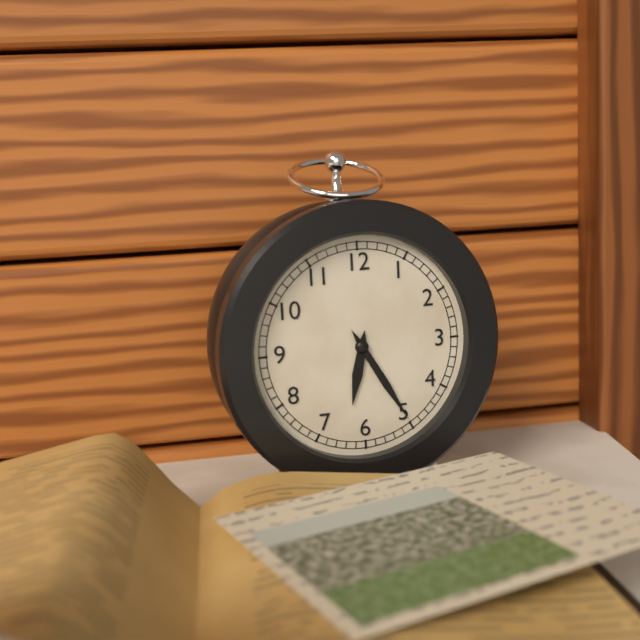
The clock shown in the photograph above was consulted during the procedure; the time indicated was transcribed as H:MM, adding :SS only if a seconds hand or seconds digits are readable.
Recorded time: 6:25
